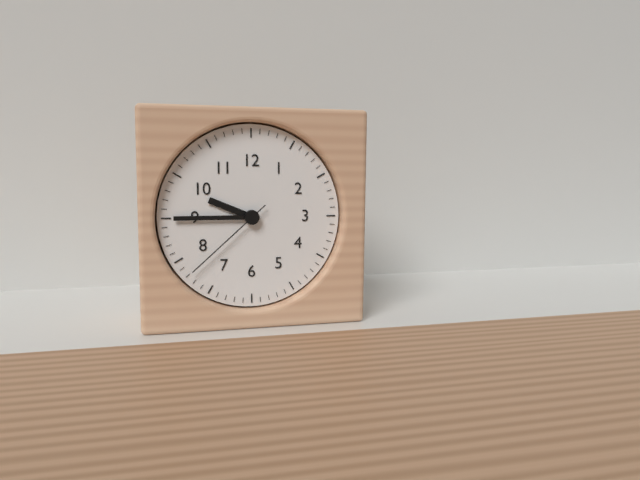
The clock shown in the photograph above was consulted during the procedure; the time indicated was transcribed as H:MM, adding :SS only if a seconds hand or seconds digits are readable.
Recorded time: 9:45:38
